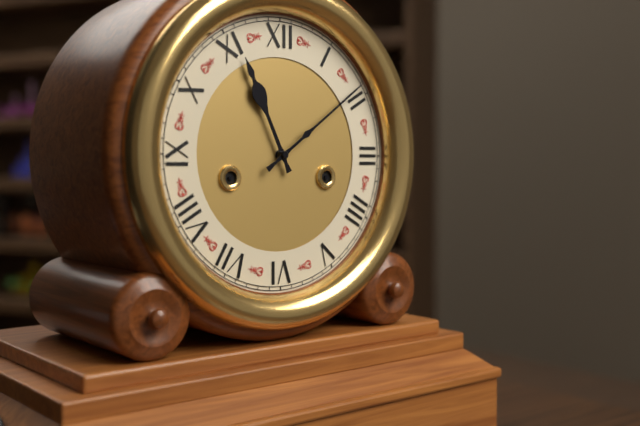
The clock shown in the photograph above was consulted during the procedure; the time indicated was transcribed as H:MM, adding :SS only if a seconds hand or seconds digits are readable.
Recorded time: 11:09
